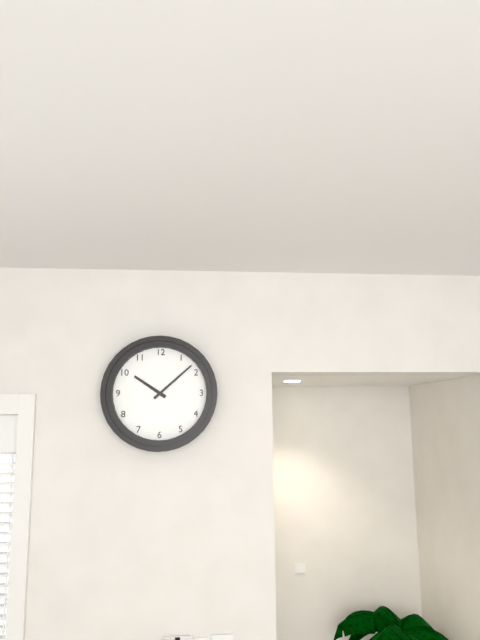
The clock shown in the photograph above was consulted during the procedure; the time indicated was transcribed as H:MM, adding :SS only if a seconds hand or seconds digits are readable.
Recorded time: 10:08
